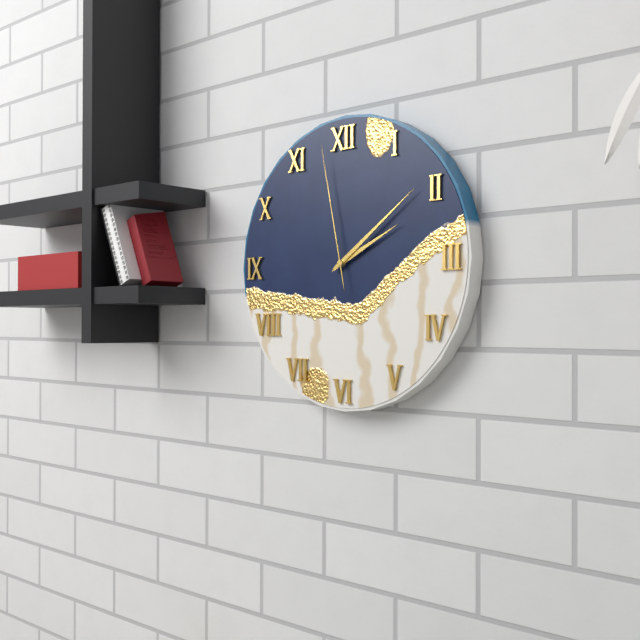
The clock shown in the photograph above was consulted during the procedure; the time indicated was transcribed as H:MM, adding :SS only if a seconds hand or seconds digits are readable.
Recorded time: 2:09:58
